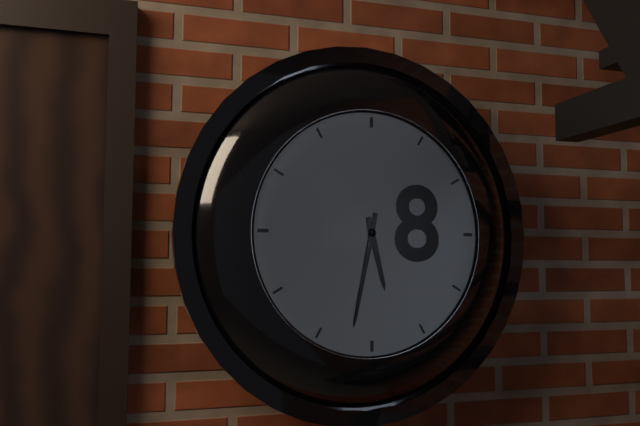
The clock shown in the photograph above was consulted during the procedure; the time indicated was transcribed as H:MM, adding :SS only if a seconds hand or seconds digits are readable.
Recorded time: 5:32
